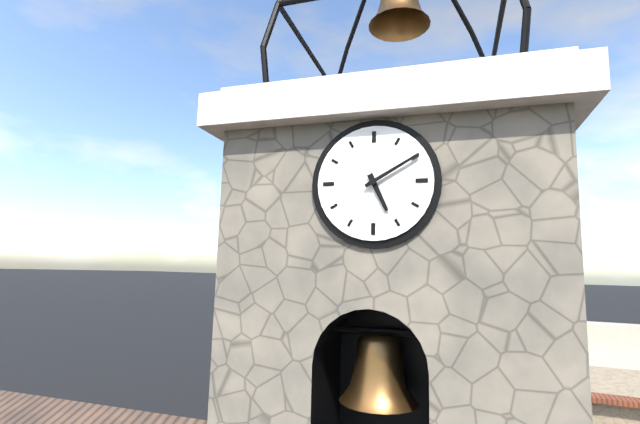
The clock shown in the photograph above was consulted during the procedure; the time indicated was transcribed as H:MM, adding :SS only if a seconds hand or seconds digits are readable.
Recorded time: 5:10
